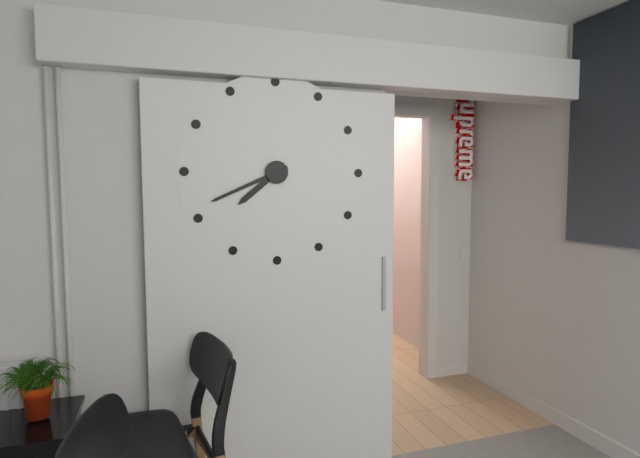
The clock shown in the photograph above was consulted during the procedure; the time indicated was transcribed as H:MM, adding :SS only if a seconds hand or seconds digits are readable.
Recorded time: 7:41
